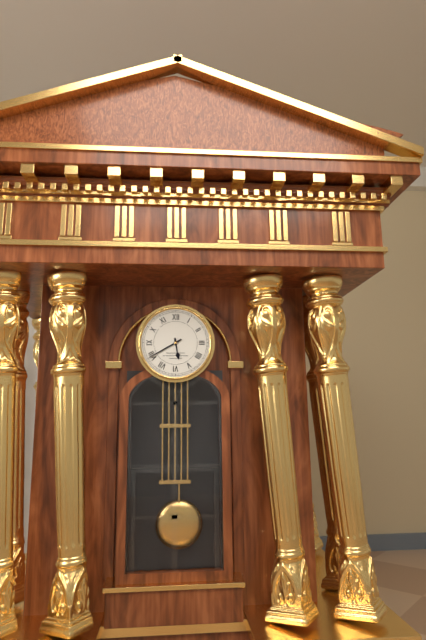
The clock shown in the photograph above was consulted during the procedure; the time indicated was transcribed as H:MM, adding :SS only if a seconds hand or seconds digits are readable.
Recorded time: 5:40
